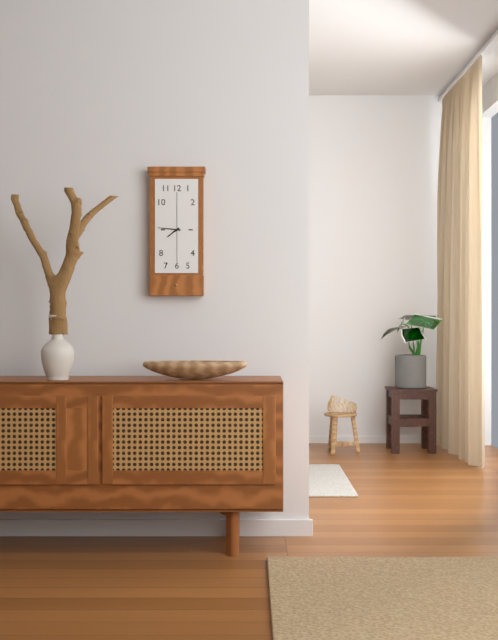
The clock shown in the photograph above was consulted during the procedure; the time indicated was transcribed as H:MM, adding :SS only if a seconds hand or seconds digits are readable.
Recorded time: 7:46
